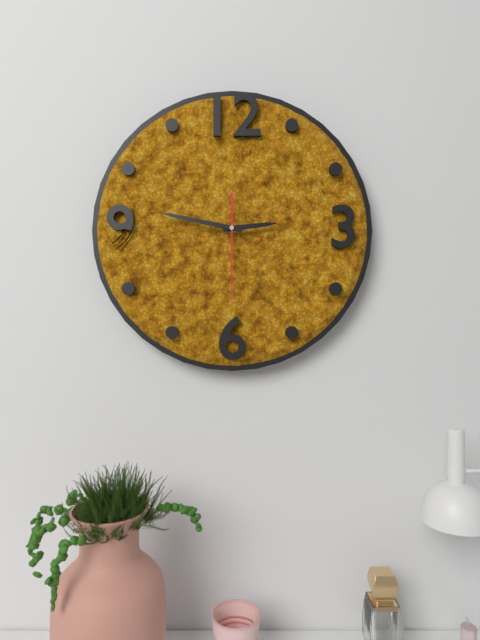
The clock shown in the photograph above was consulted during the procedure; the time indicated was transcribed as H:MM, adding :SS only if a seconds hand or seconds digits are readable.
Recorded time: 2:47:30
